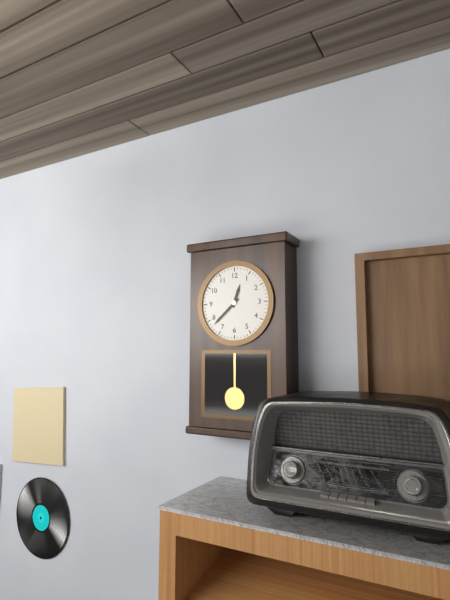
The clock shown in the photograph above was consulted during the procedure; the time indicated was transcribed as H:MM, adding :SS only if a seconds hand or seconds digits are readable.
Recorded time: 12:38
